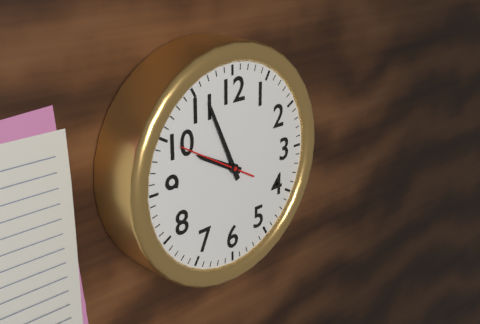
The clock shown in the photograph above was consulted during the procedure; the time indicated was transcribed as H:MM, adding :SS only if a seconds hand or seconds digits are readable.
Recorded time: 9:56:50
